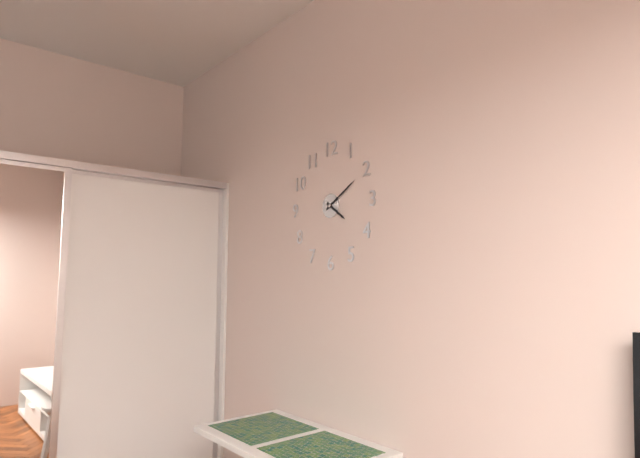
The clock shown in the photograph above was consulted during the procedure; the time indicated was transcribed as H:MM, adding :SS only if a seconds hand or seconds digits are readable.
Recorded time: 4:10
